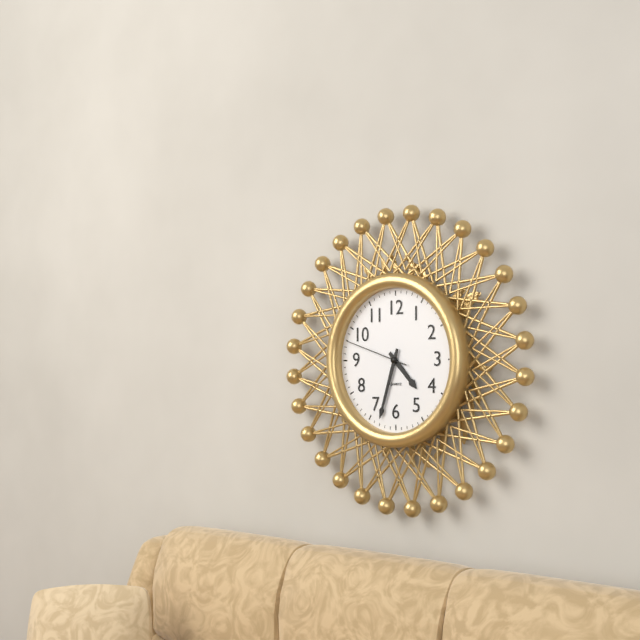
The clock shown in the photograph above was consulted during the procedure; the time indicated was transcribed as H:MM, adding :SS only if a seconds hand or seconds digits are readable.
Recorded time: 4:33:48
